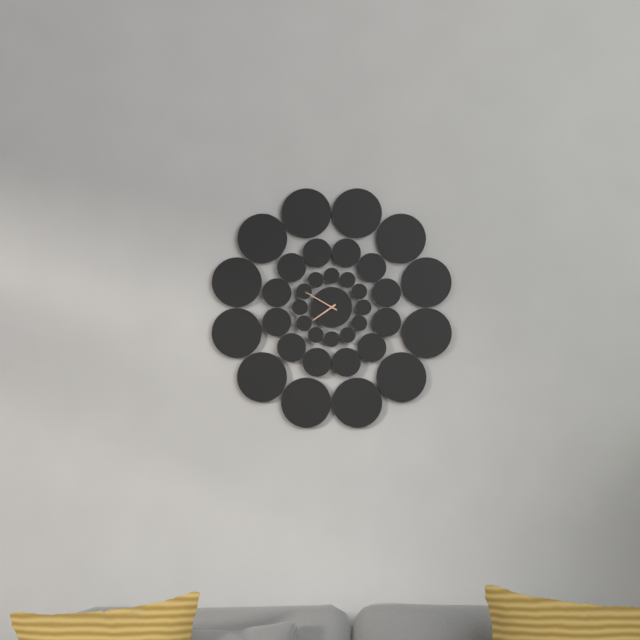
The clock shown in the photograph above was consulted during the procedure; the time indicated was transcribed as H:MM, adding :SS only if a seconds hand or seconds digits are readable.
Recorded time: 7:50
